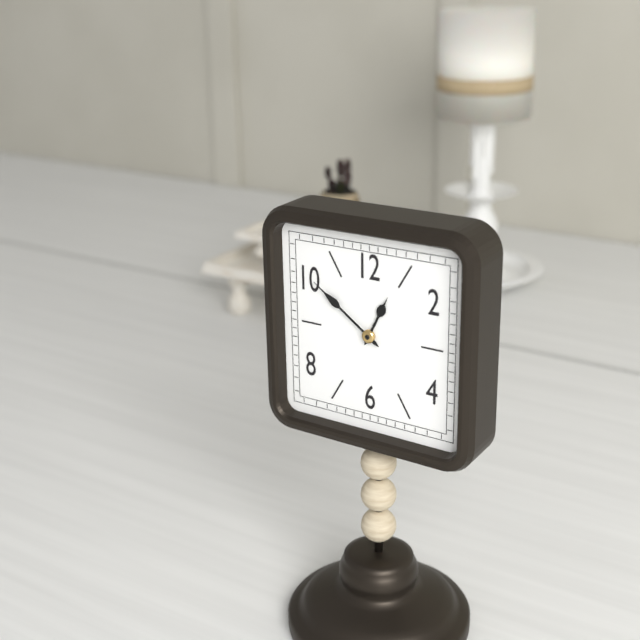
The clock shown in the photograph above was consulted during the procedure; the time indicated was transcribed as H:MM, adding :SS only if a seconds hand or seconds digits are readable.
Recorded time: 12:51
